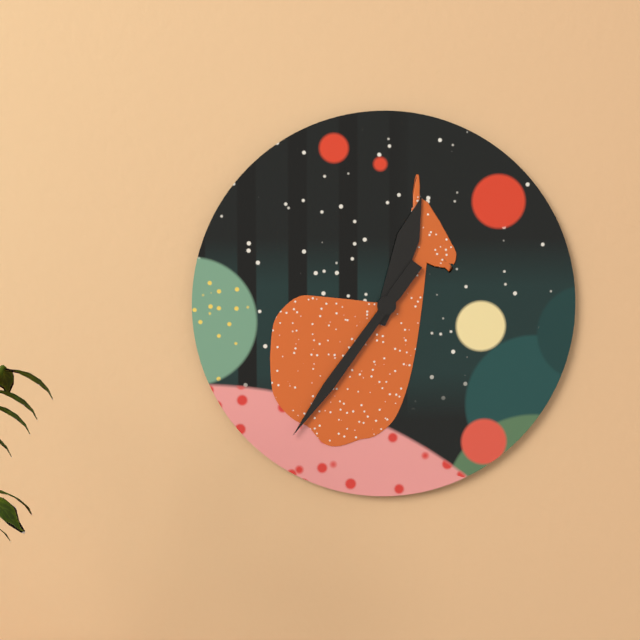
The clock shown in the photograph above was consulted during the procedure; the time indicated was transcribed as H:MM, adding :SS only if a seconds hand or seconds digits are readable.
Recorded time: 12:36
